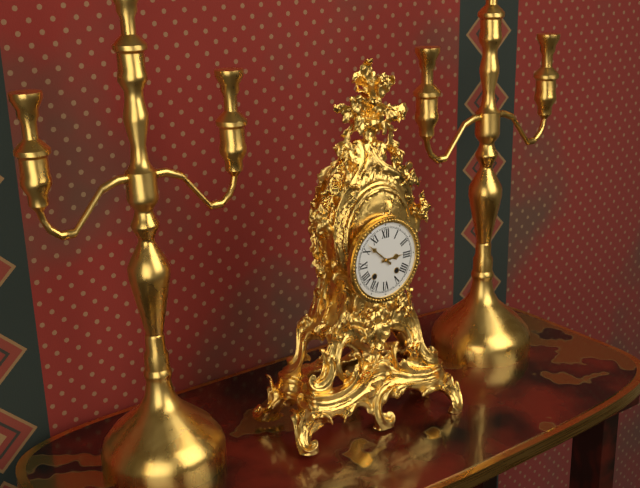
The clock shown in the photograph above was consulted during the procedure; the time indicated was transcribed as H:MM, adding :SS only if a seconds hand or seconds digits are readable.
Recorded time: 2:52
